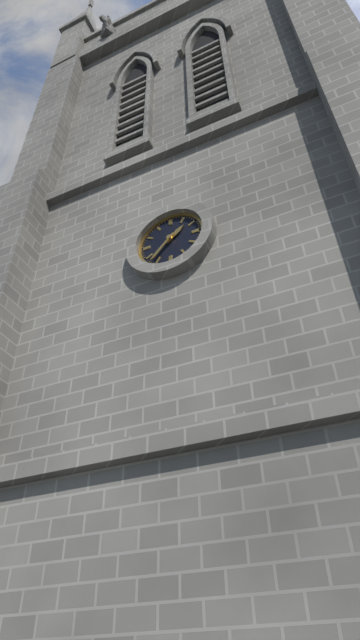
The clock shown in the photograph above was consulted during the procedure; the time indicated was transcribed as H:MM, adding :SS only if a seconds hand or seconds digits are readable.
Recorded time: 1:37
